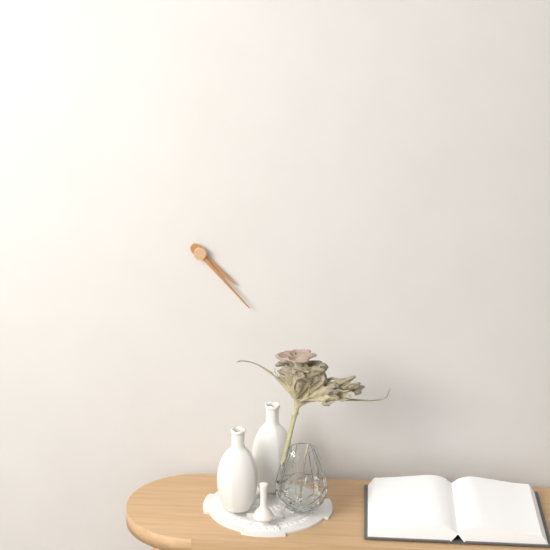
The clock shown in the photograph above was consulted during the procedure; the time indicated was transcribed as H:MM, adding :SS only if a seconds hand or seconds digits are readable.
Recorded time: 4:23
